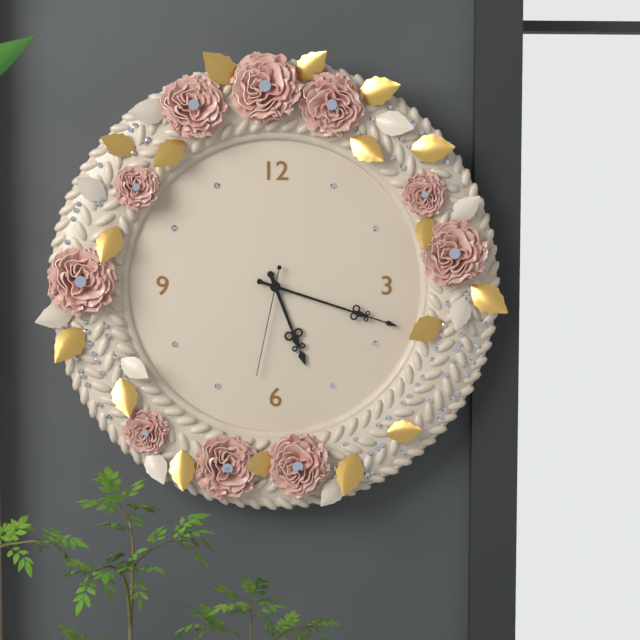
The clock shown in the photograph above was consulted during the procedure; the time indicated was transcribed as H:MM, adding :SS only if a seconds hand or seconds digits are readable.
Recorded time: 5:18:32
